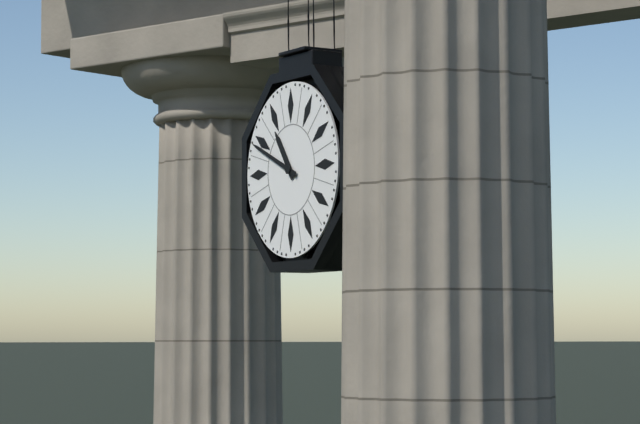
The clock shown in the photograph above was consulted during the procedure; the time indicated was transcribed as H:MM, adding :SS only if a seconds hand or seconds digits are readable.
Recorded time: 10:49
